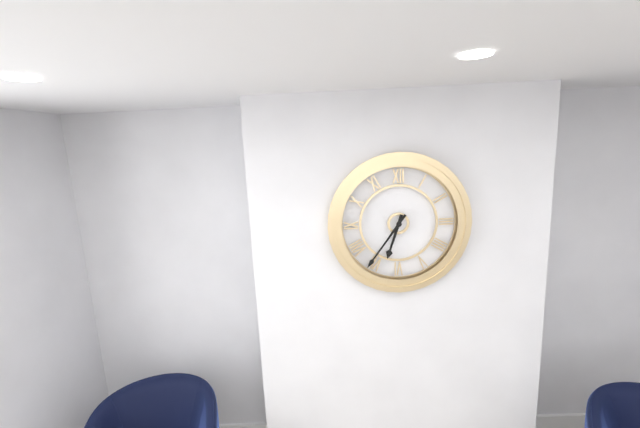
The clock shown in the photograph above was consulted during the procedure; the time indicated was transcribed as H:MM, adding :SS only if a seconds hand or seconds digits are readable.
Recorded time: 6:36
